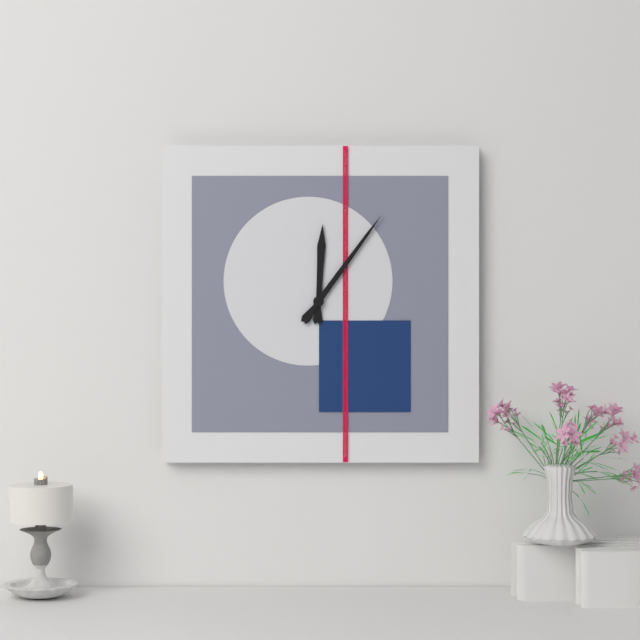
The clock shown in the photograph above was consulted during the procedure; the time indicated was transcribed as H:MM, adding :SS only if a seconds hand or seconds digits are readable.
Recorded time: 12:06
